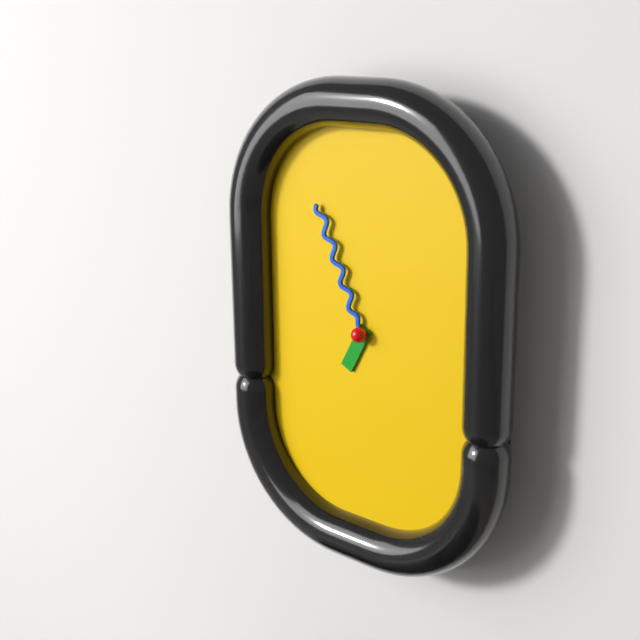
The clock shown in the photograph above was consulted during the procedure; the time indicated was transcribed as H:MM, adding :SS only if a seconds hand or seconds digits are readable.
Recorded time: 6:56
